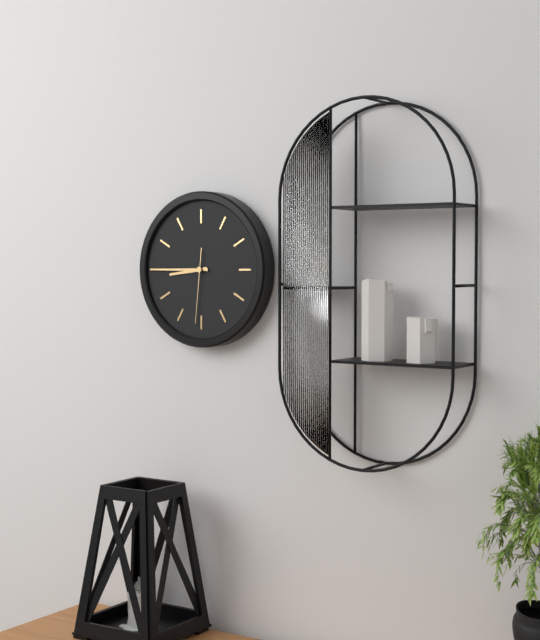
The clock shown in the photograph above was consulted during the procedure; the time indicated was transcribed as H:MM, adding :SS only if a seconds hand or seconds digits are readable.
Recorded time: 8:45:31
